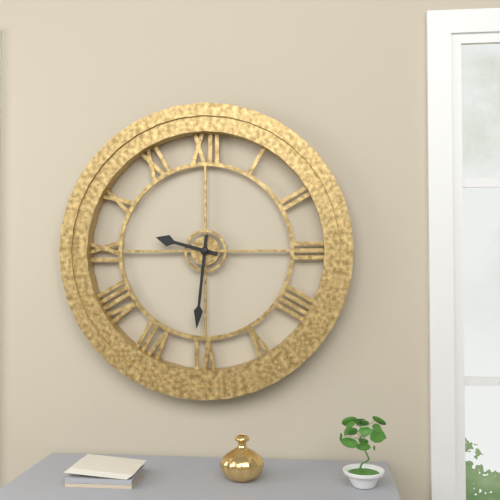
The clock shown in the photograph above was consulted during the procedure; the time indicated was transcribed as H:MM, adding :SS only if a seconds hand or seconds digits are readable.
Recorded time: 9:31
